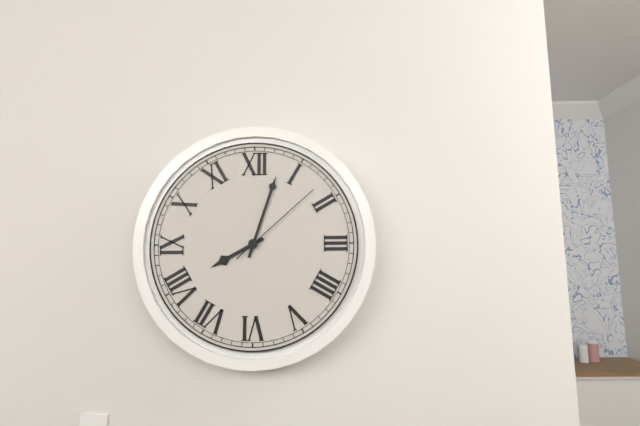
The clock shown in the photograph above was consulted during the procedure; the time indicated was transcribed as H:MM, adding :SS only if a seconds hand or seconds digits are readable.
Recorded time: 8:03:08
